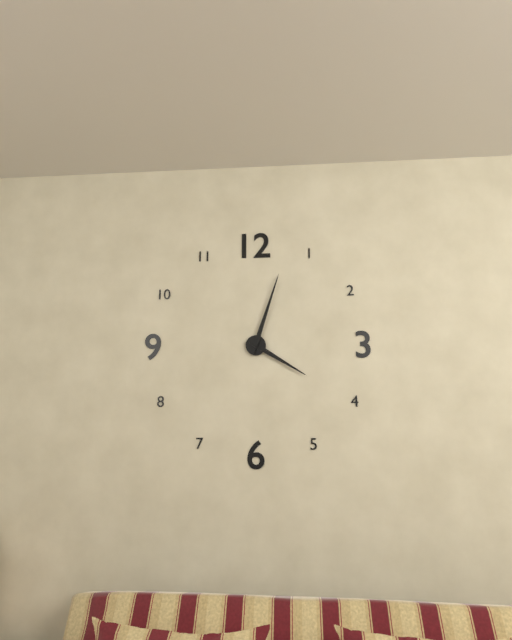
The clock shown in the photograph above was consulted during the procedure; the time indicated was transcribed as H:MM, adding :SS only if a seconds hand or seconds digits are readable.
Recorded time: 4:03
